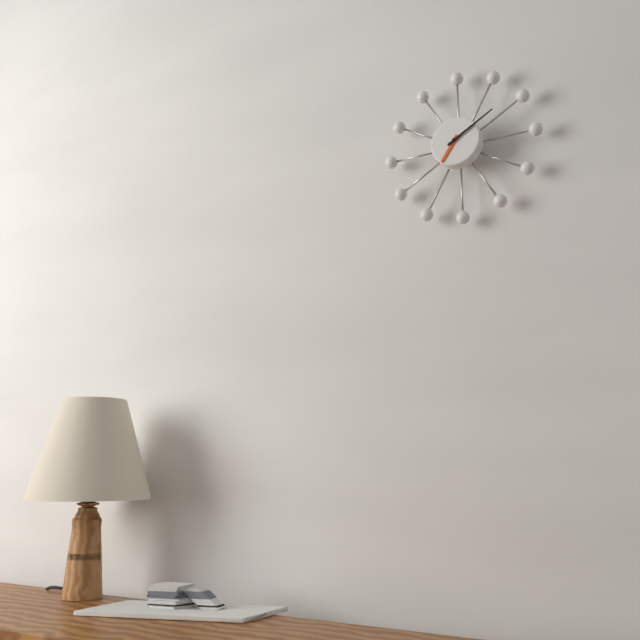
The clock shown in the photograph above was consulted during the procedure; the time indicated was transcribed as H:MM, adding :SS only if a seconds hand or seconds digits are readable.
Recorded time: 7:10
